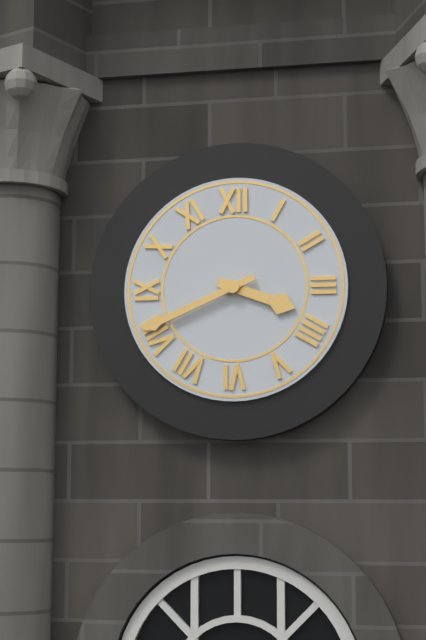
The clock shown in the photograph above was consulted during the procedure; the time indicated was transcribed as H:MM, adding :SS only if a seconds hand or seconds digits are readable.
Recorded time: 3:41
